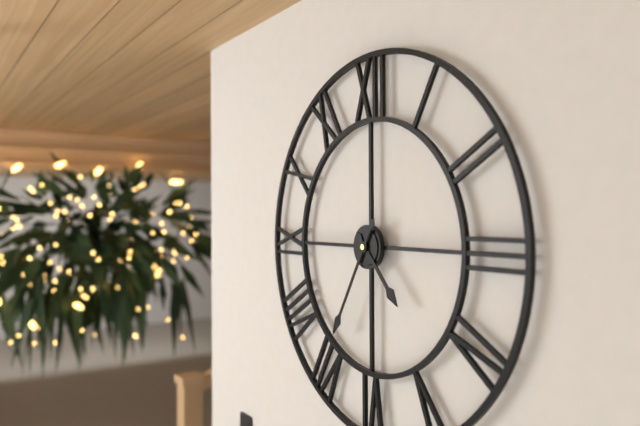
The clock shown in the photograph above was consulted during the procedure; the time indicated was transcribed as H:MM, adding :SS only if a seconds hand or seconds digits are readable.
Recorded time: 4:35
